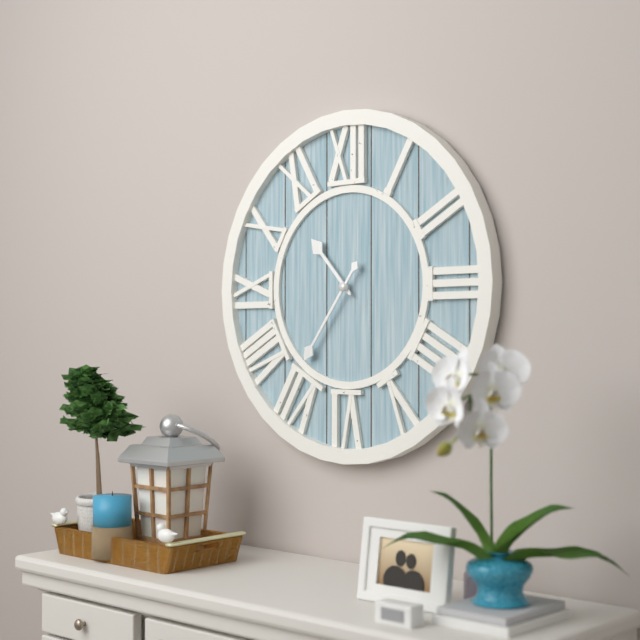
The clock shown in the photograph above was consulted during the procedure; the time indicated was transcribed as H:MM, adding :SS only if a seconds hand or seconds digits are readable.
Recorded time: 10:36
